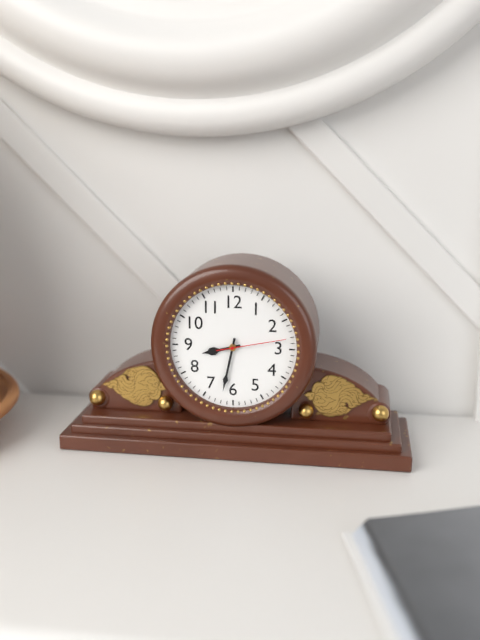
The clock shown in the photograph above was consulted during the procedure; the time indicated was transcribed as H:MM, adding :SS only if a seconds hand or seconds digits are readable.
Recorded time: 8:32:13
